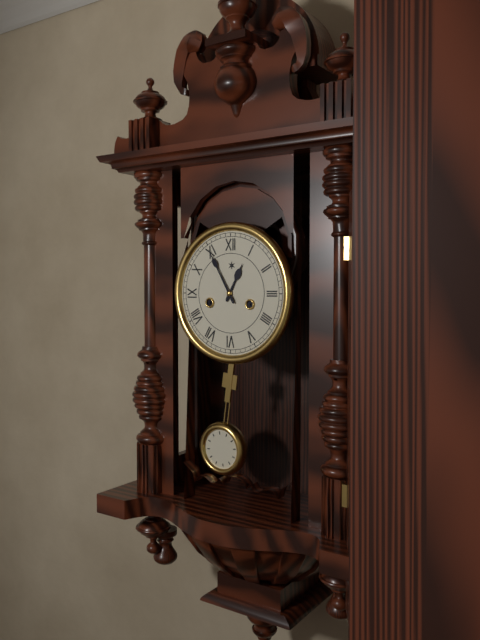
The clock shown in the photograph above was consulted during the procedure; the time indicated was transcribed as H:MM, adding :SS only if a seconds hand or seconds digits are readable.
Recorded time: 12:55
